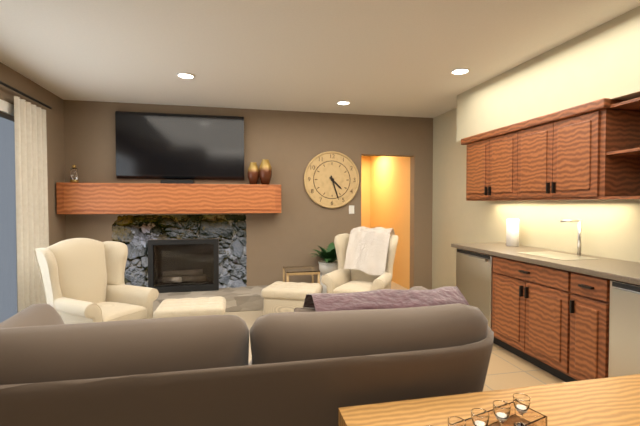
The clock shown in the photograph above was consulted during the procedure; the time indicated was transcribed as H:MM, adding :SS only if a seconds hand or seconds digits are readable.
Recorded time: 4:27
